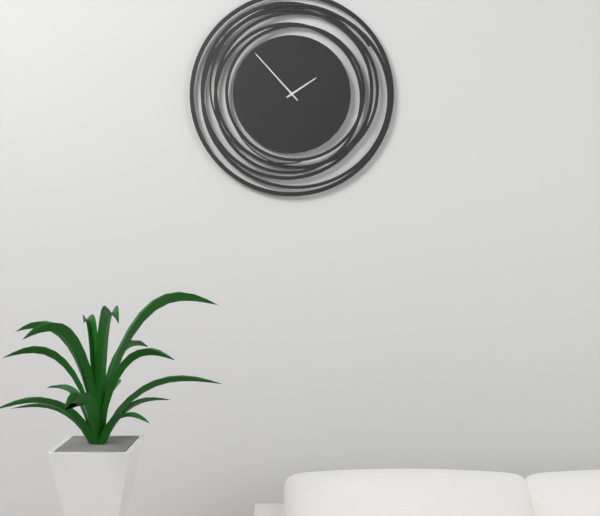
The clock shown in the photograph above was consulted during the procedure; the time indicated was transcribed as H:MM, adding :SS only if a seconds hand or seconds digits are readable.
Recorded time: 1:53
